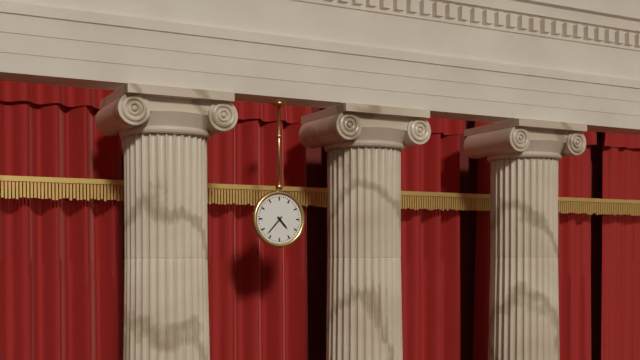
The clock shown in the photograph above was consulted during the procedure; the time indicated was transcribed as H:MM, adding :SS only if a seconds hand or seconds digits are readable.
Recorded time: 4:37
